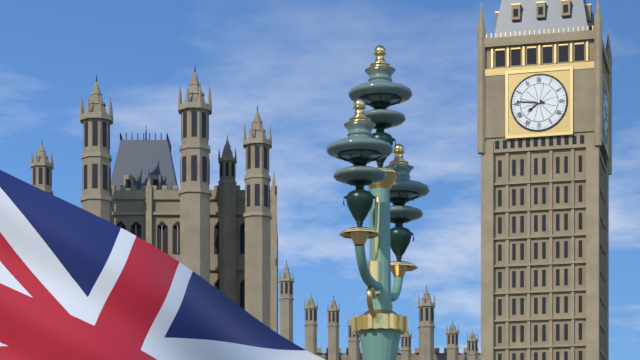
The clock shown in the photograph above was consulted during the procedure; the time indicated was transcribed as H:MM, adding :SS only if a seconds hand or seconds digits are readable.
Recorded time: 7:46
